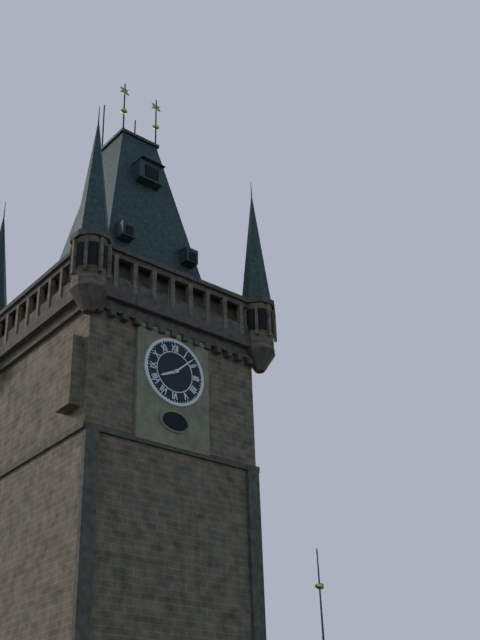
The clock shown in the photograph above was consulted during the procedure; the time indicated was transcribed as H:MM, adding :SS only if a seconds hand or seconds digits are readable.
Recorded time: 8:08
